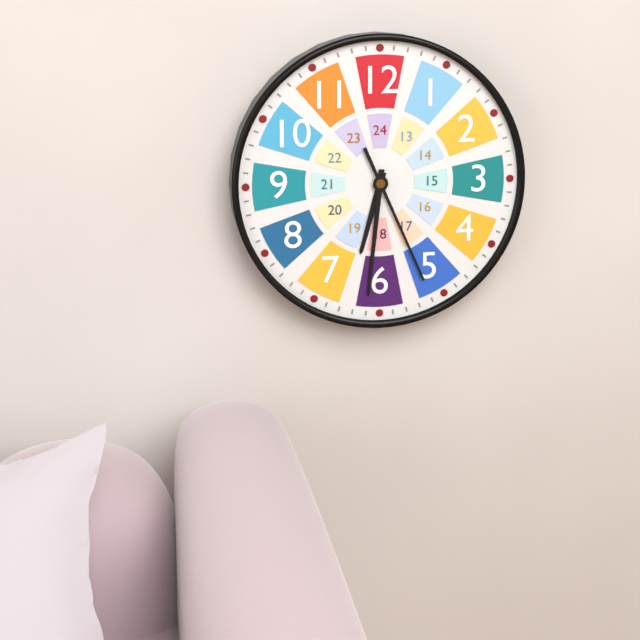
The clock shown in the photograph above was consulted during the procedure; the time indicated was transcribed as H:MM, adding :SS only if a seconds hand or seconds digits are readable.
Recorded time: 6:31:26
